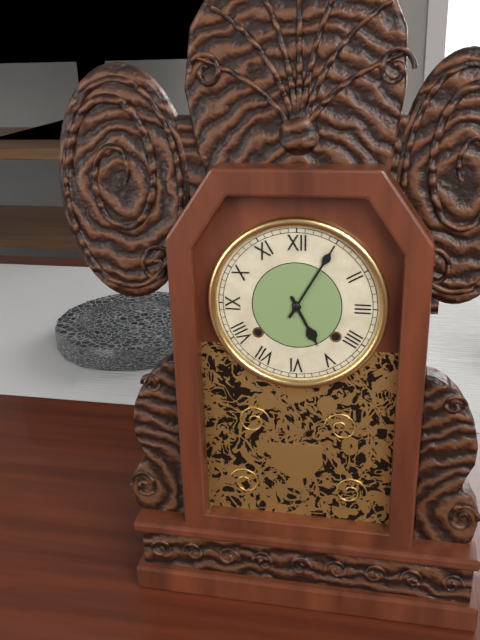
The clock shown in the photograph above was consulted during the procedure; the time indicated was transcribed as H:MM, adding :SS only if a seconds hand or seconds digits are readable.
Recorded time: 5:05
